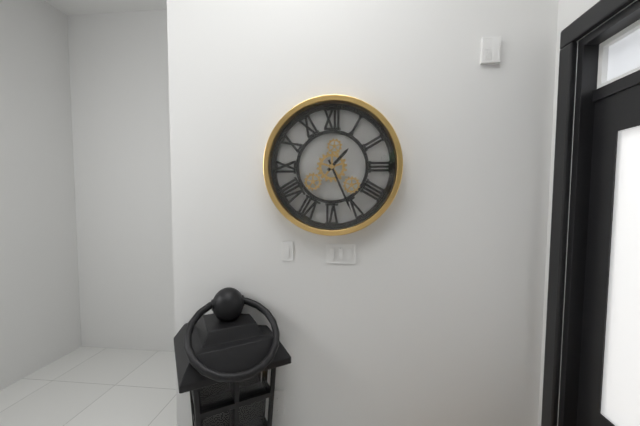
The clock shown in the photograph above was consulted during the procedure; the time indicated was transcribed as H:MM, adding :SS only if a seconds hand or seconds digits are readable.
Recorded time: 1:26
